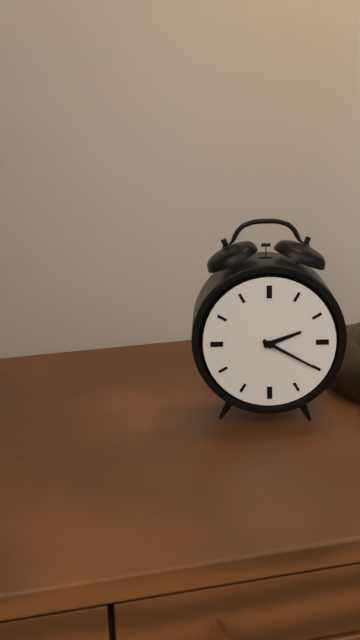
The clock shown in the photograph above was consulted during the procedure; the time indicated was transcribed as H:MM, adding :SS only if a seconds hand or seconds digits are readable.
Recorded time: 2:20
